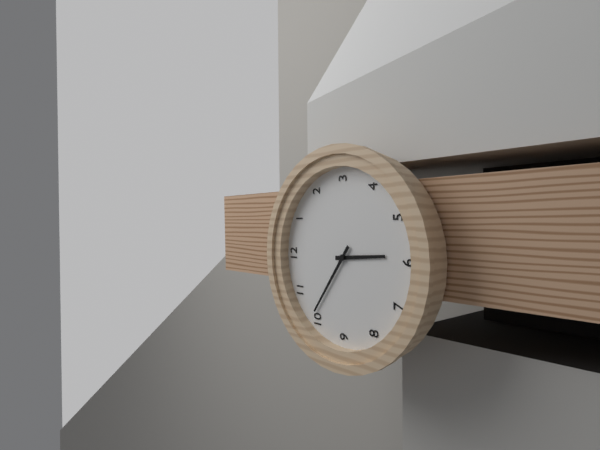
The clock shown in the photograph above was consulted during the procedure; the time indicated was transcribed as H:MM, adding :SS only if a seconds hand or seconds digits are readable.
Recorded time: 5:51
